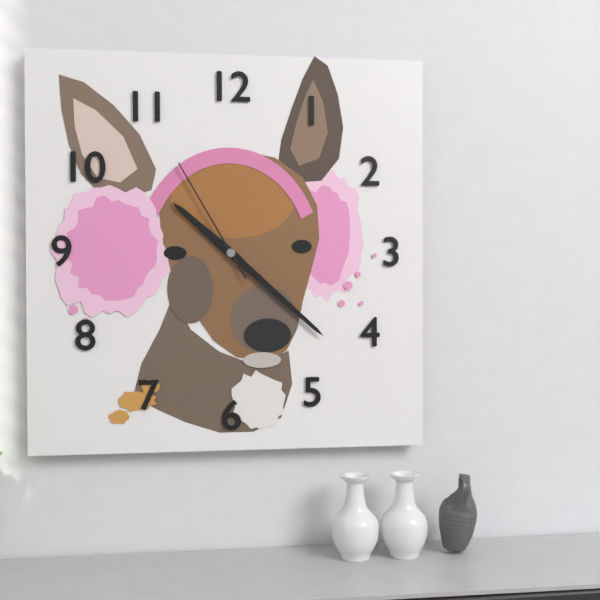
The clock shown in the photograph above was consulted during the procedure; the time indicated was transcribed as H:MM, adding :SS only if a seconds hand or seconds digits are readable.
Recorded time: 10:22:55
